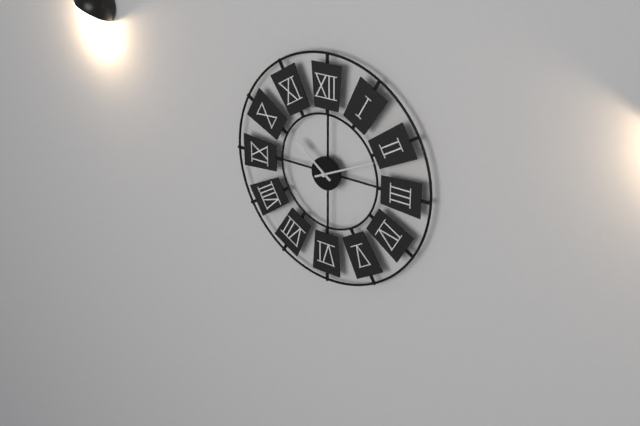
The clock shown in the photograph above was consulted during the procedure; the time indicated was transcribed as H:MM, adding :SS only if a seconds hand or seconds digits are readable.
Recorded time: 10:11
